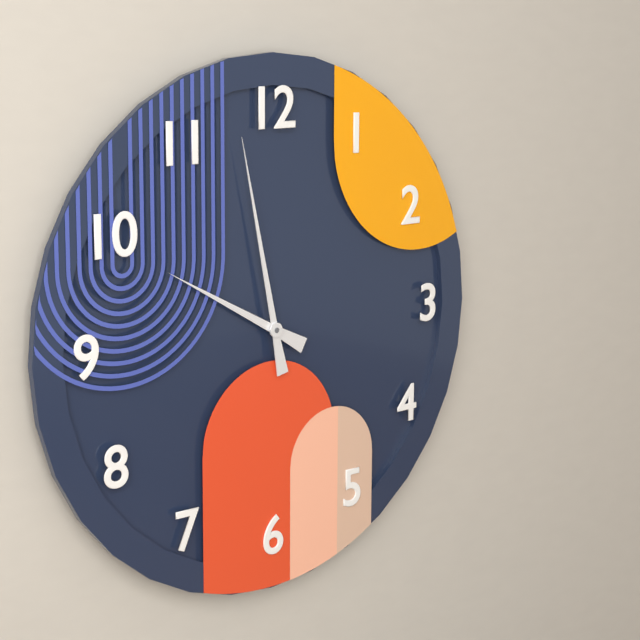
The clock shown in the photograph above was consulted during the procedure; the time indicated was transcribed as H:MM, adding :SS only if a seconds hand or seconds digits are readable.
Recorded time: 9:58
